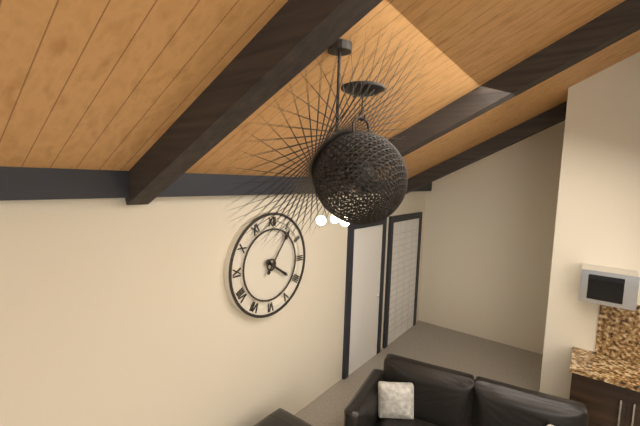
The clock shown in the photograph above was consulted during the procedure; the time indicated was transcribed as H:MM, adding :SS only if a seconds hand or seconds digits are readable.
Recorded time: 4:06
